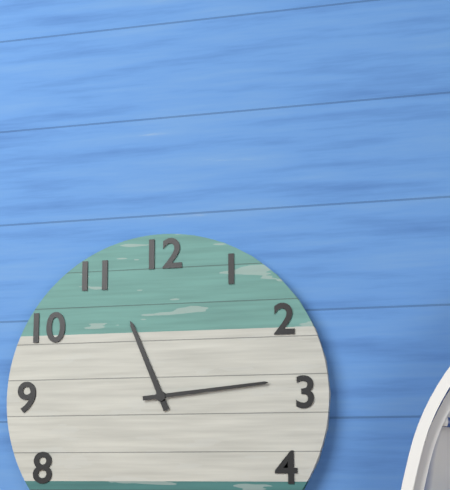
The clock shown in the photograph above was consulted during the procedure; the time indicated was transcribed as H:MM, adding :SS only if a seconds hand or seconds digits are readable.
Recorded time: 11:14
